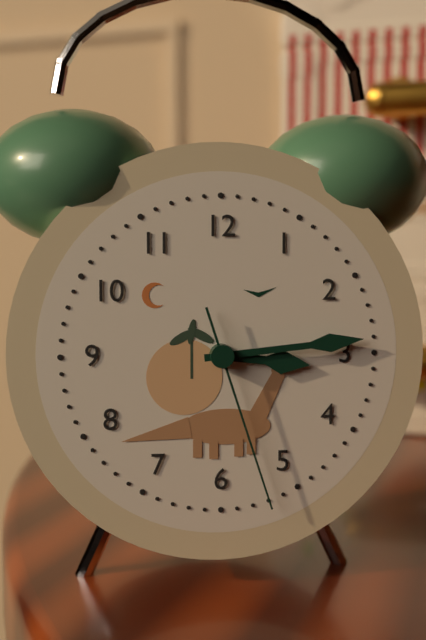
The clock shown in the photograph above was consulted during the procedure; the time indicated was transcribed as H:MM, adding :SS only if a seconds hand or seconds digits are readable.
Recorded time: 3:14:27
